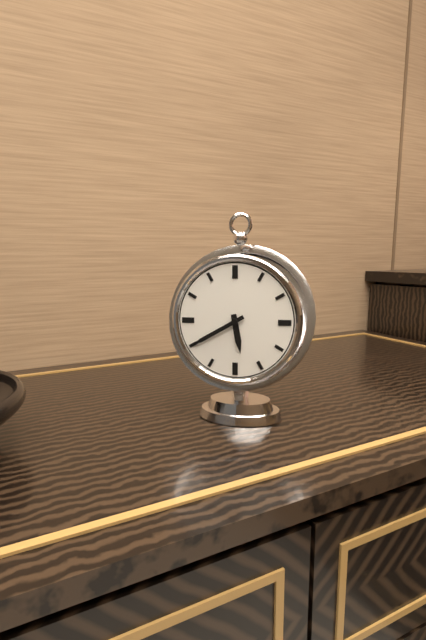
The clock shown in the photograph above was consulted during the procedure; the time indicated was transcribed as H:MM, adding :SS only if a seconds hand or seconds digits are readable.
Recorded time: 5:40
